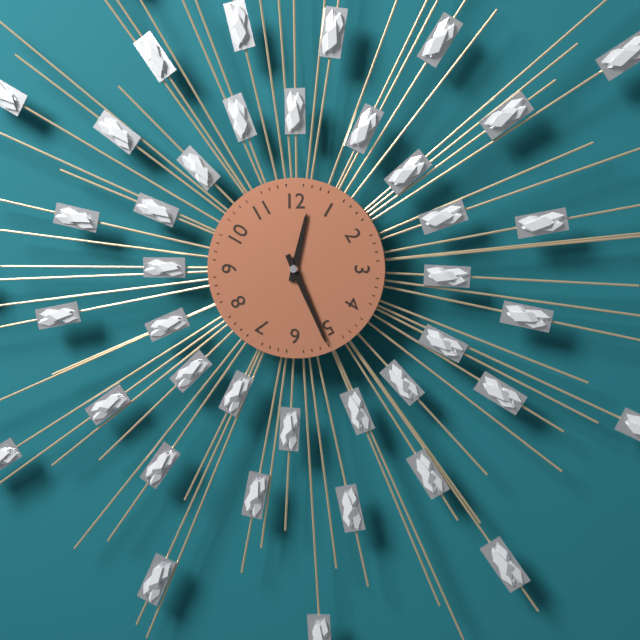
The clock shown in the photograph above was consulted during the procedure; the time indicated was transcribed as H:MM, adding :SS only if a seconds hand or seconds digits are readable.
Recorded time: 12:26
